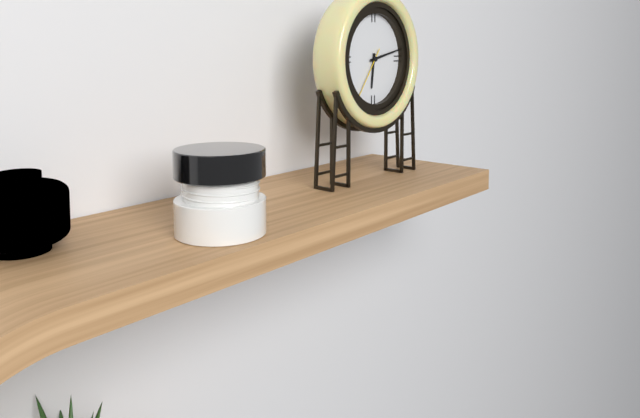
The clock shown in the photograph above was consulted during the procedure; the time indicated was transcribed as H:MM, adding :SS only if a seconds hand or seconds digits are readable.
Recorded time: 6:13:36
